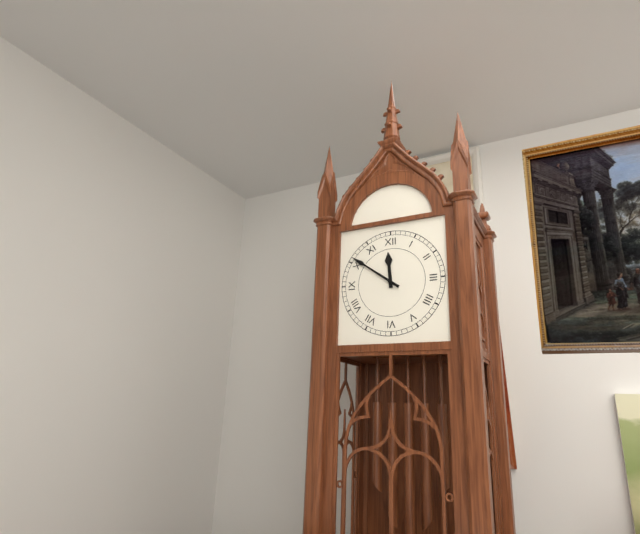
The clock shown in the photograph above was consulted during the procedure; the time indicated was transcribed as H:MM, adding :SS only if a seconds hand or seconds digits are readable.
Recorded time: 11:51
